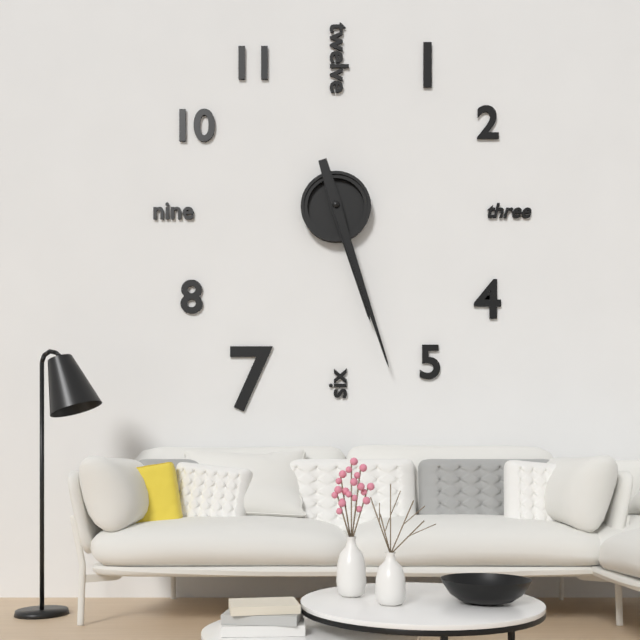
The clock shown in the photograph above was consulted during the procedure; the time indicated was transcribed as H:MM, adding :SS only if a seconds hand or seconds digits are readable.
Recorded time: 5:27
